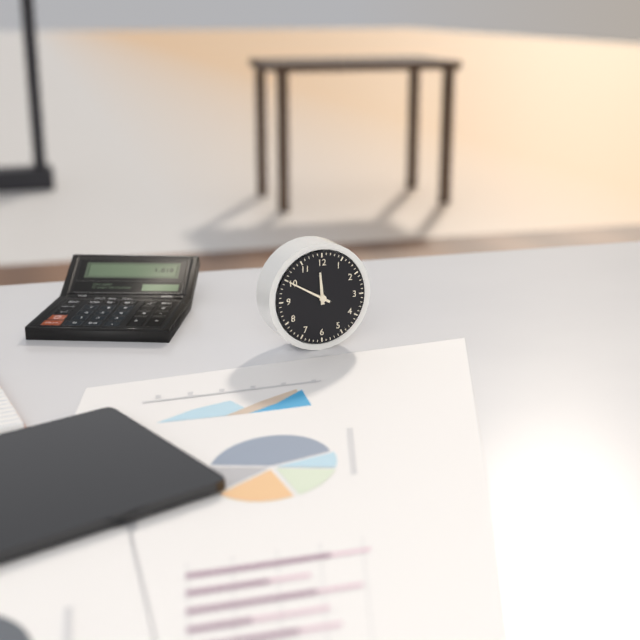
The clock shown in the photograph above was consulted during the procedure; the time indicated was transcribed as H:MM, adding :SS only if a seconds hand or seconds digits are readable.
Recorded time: 11:50
